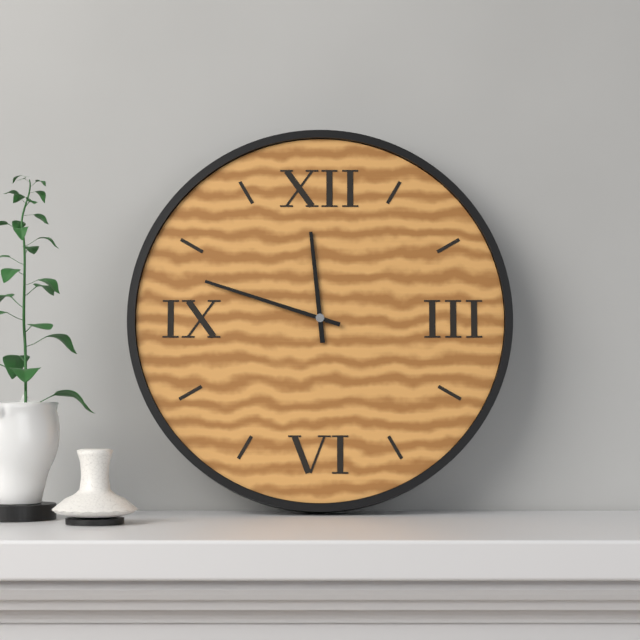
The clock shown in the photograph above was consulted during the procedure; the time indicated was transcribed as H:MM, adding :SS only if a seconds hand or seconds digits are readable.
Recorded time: 11:48
